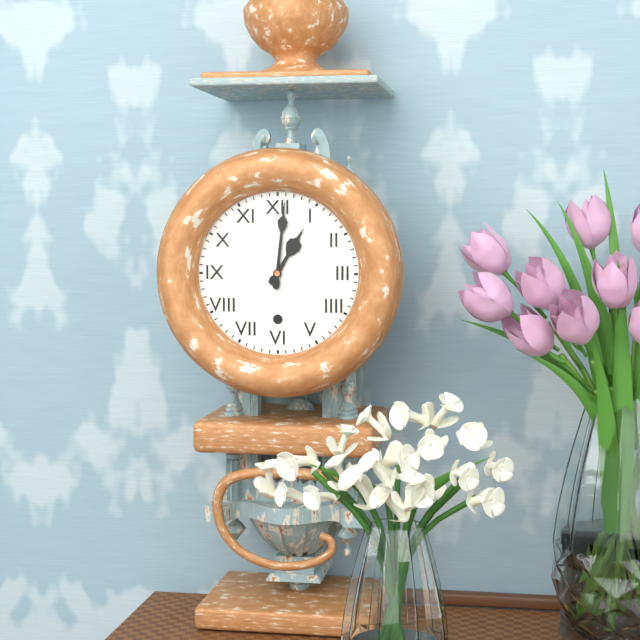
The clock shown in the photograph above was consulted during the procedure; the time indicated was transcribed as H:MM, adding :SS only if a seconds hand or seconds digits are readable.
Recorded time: 1:01
